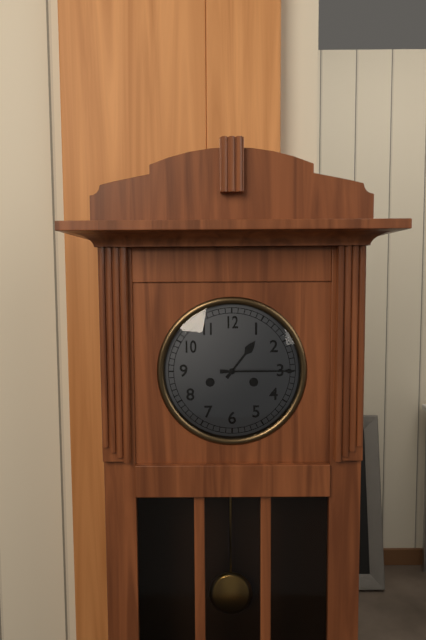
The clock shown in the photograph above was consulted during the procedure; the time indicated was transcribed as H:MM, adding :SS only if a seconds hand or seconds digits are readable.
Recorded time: 1:15
